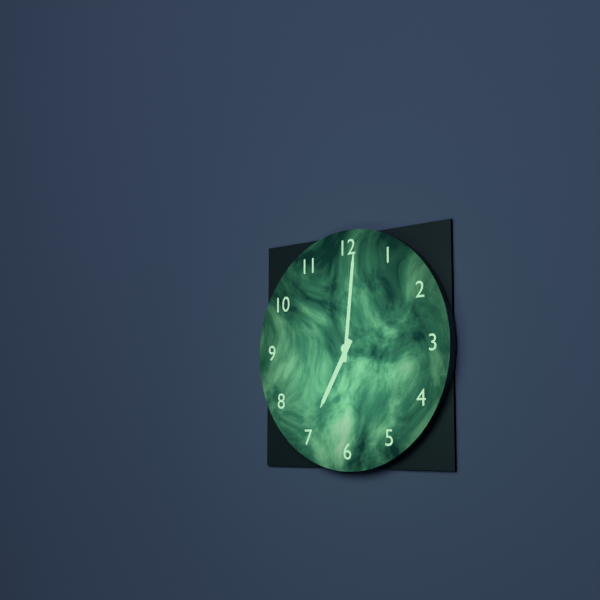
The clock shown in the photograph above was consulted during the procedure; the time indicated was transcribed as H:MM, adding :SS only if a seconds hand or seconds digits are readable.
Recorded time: 7:01
